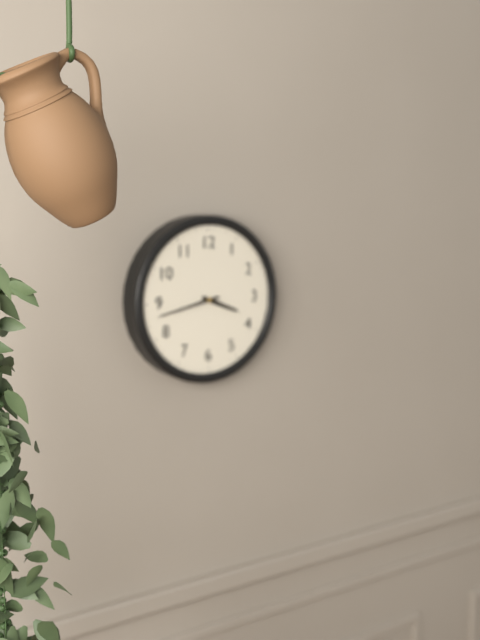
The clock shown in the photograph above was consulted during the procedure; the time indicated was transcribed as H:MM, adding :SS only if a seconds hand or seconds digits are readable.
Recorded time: 3:43
